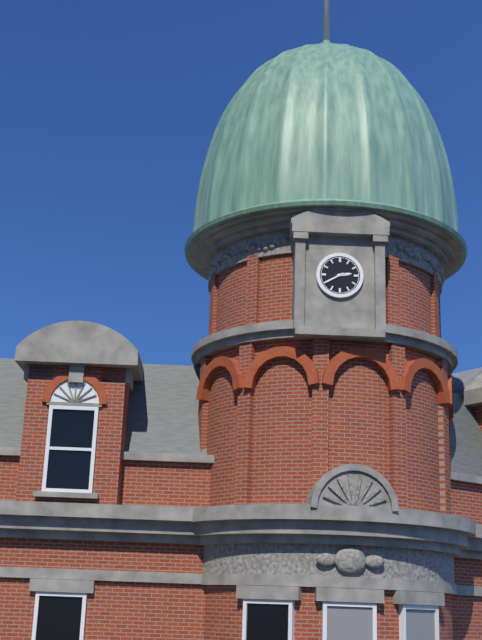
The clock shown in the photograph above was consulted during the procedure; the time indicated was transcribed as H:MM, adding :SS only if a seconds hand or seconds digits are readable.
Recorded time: 2:40
